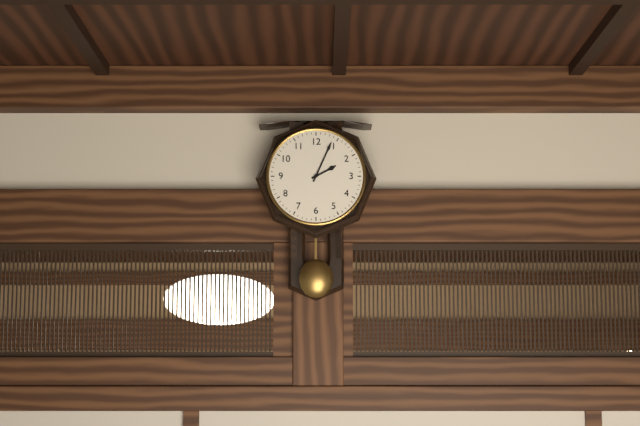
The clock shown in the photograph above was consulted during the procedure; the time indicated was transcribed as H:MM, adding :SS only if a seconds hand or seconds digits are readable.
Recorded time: 2:04
